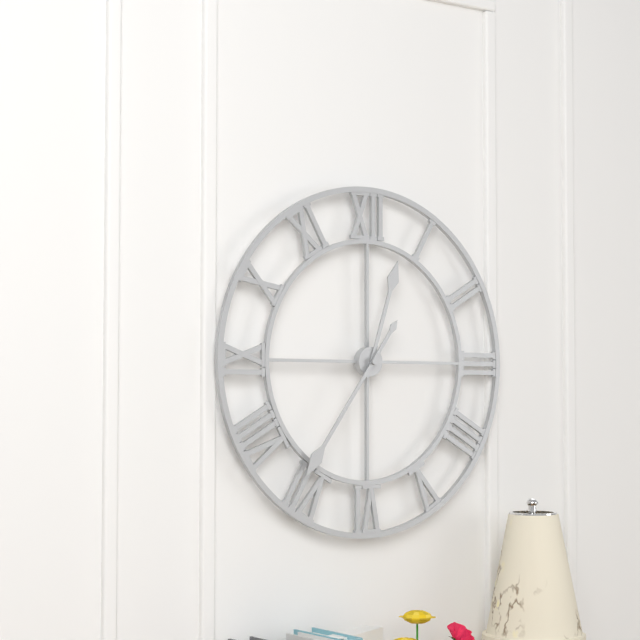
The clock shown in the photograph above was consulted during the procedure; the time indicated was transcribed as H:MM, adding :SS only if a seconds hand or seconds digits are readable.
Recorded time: 12:36
